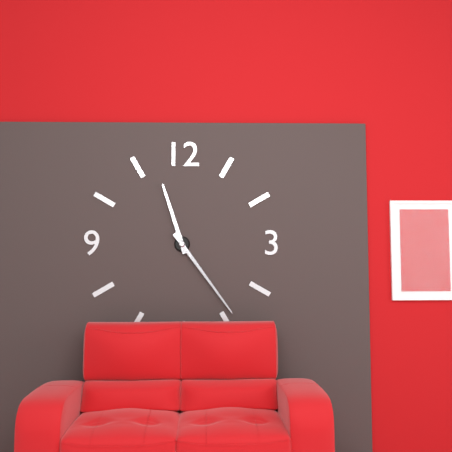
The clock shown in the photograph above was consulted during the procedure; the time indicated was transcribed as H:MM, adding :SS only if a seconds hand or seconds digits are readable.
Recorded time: 11:24
